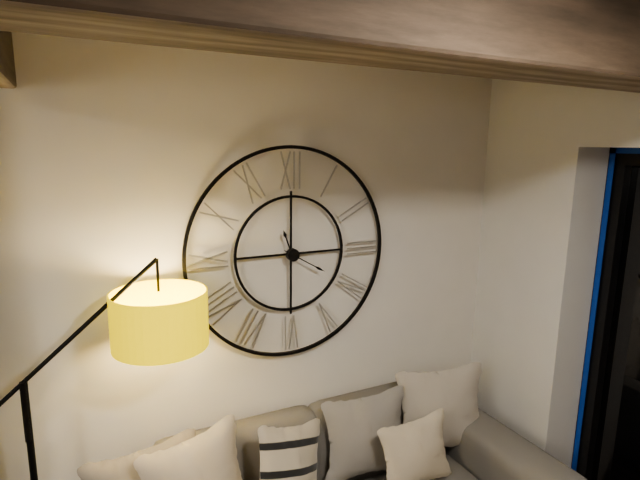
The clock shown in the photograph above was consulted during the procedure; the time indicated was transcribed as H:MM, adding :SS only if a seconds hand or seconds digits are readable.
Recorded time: 11:20
